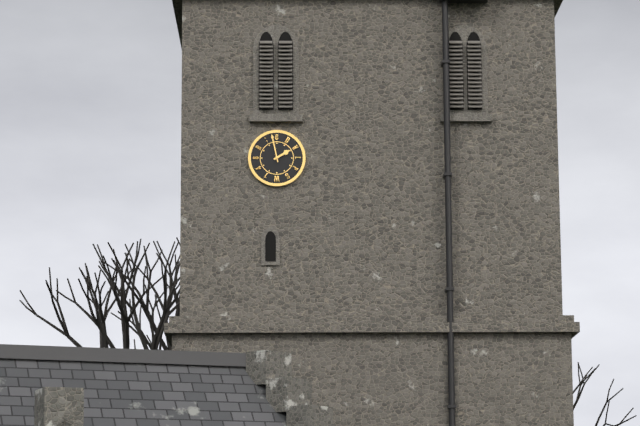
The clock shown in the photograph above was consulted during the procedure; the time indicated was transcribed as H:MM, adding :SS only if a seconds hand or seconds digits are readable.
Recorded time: 1:58
